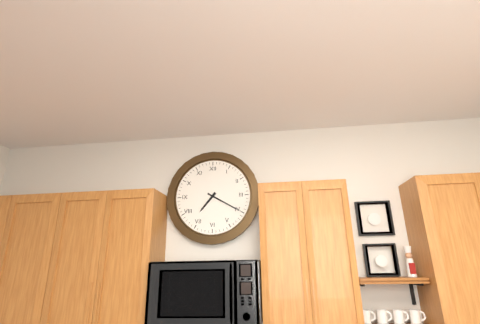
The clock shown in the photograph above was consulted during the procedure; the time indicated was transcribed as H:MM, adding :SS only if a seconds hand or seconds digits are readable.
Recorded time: 7:20
